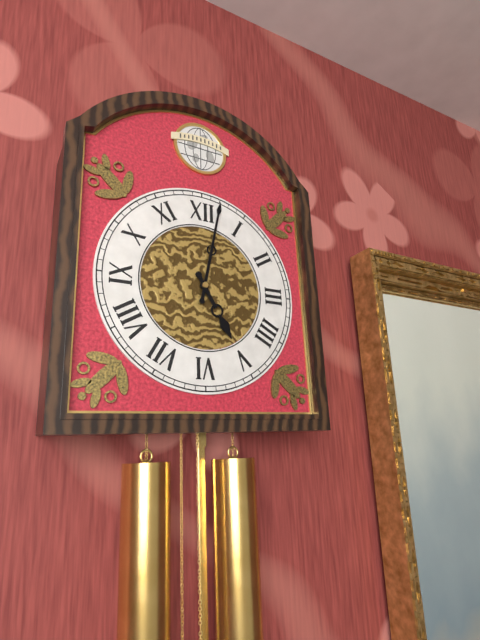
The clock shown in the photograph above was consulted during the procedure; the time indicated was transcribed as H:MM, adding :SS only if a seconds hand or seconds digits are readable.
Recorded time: 5:02
